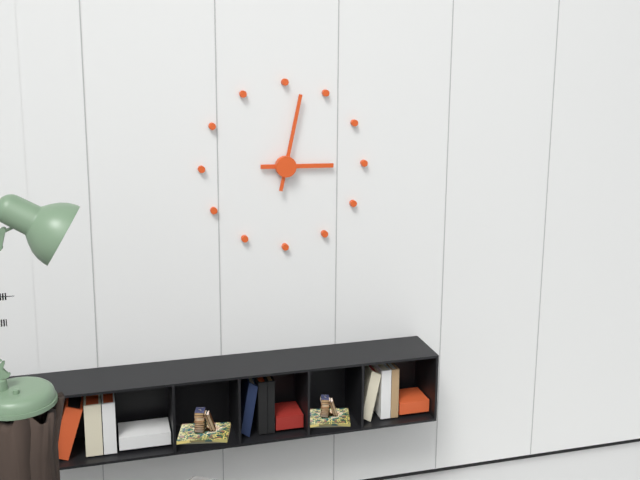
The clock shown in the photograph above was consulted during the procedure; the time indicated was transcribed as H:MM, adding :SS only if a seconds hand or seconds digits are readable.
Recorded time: 3:02
